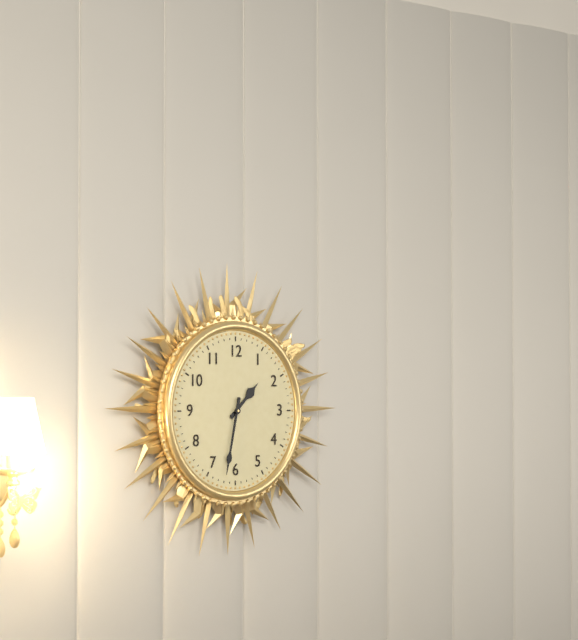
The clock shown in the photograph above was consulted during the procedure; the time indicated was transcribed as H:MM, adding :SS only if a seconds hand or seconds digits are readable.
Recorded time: 1:32
